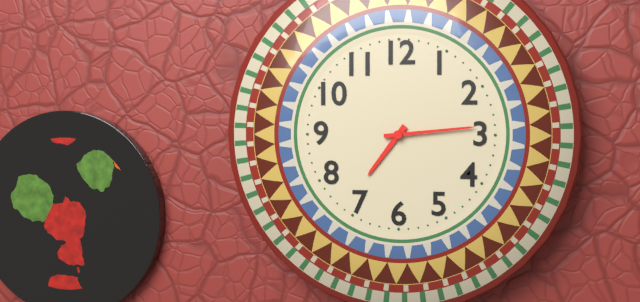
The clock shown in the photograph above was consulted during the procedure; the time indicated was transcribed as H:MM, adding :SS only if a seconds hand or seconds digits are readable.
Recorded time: 7:14
